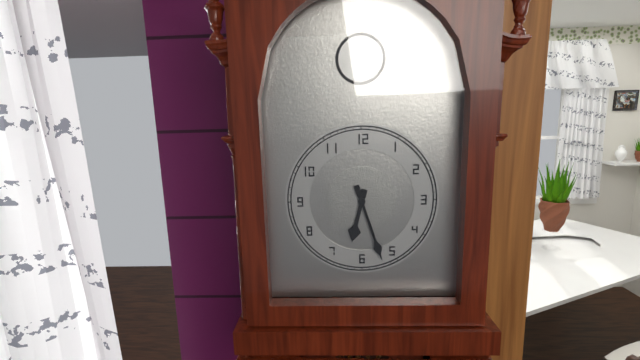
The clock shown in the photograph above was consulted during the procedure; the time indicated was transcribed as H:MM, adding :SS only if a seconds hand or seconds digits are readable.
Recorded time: 6:27
